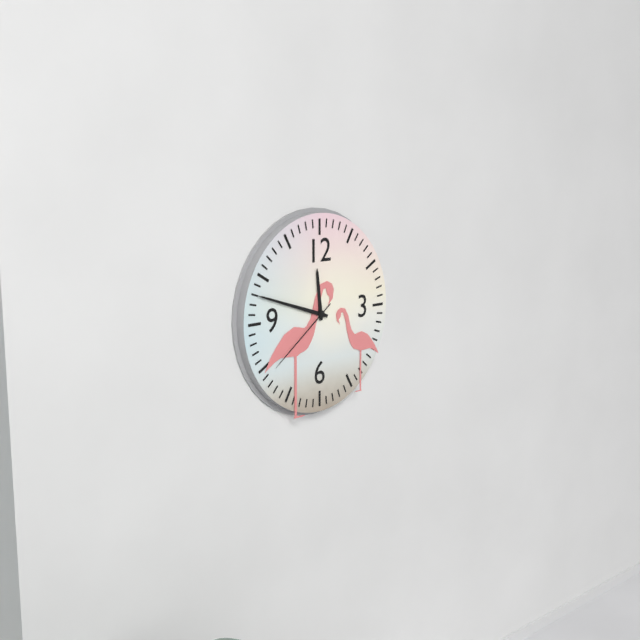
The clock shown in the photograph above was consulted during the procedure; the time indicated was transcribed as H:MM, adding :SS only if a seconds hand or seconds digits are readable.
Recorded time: 11:48:39
